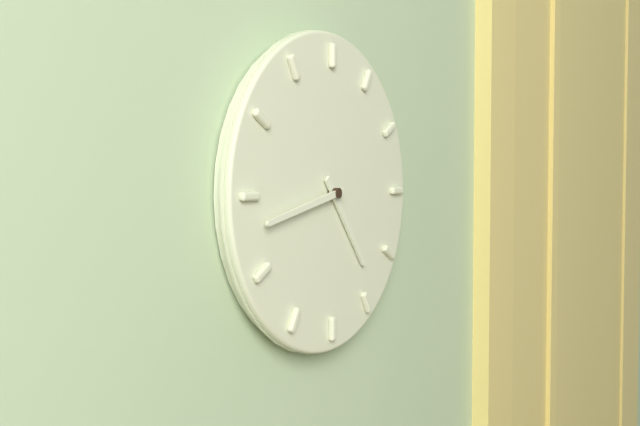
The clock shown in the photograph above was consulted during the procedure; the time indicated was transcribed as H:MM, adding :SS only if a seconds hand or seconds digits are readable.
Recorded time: 4:43
